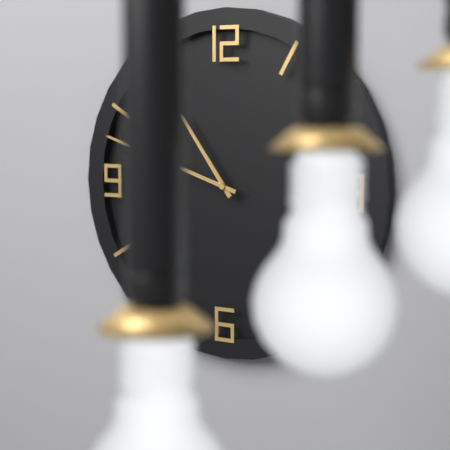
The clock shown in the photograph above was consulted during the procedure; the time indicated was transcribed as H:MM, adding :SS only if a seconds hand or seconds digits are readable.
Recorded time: 10:48
